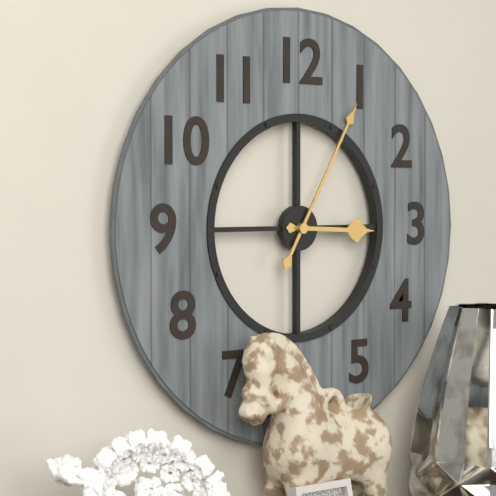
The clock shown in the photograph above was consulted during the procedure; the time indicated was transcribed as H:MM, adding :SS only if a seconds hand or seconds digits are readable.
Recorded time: 3:05
